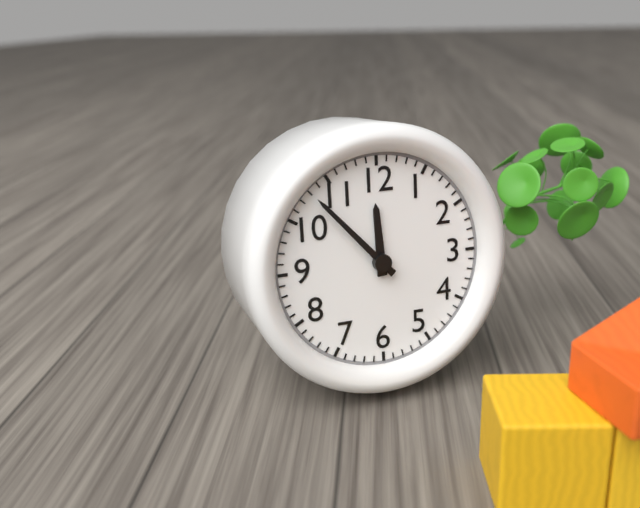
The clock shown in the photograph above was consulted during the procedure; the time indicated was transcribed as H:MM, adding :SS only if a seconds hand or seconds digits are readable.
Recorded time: 11:53
